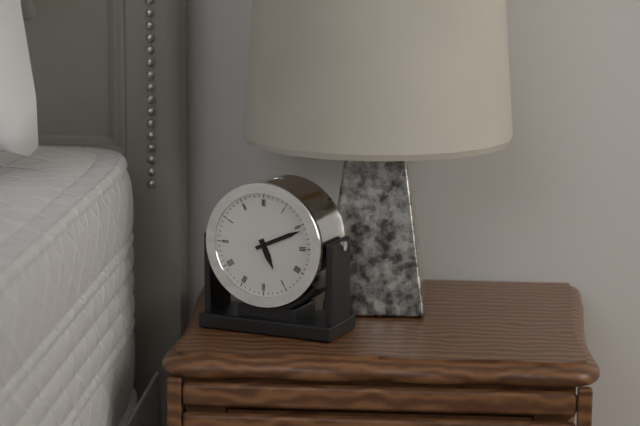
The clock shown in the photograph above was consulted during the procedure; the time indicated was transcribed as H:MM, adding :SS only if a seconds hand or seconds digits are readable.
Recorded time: 5:11
